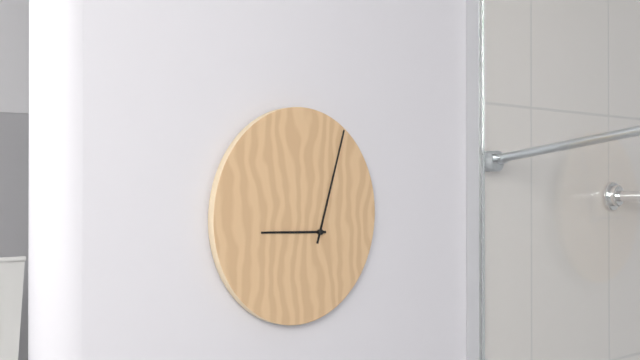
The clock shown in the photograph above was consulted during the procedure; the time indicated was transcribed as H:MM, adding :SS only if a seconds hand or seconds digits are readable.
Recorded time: 9:03
